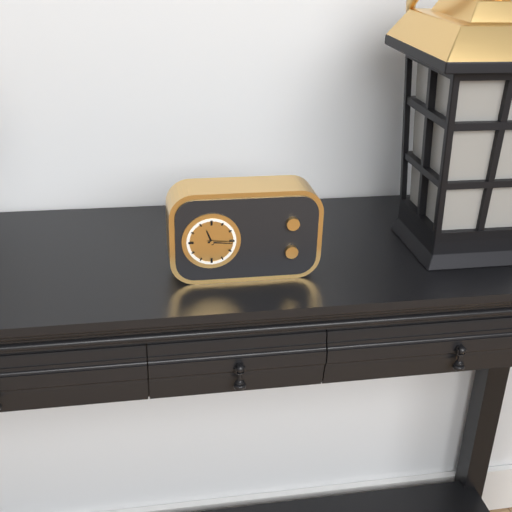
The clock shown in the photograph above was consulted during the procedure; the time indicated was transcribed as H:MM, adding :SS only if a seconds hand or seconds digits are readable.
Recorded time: 11:16
